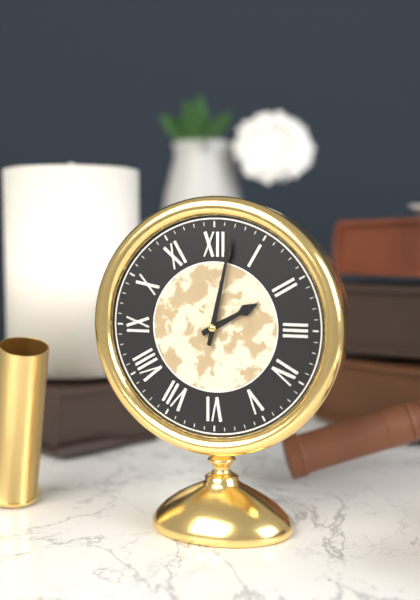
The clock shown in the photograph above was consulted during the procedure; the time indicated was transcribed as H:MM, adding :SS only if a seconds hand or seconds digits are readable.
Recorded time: 2:02
